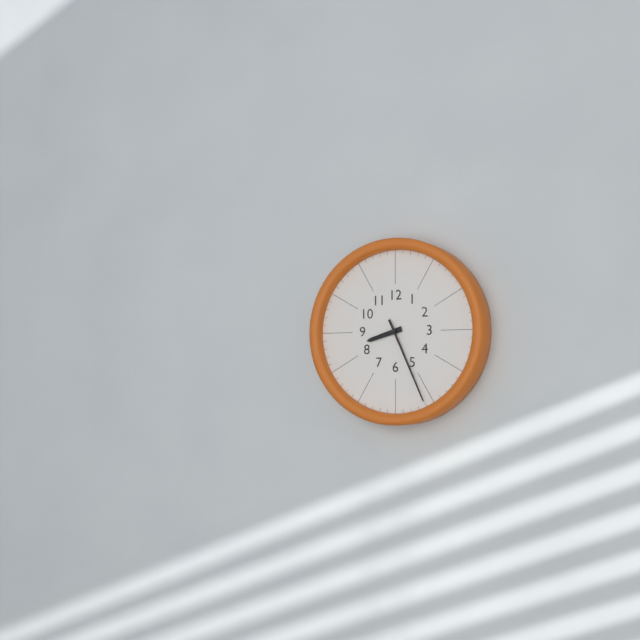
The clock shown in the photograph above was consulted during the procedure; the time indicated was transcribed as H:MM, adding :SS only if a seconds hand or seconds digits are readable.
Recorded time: 8:26
